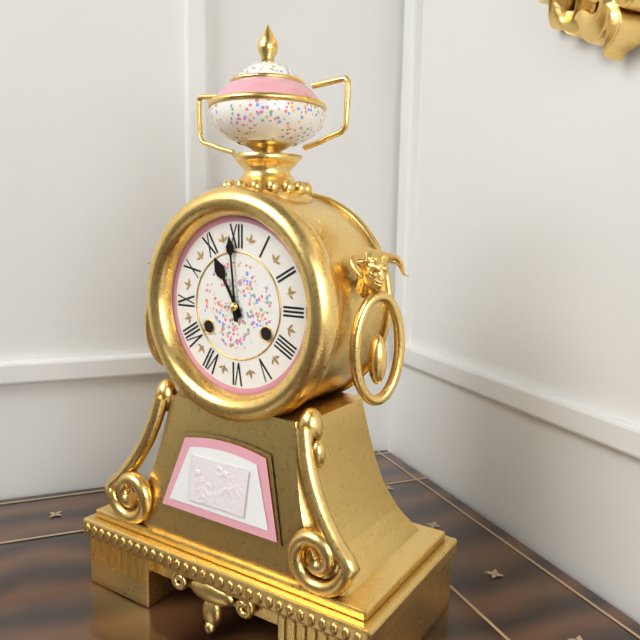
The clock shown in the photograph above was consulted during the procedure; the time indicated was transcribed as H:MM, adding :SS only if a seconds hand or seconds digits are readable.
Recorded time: 10:59
